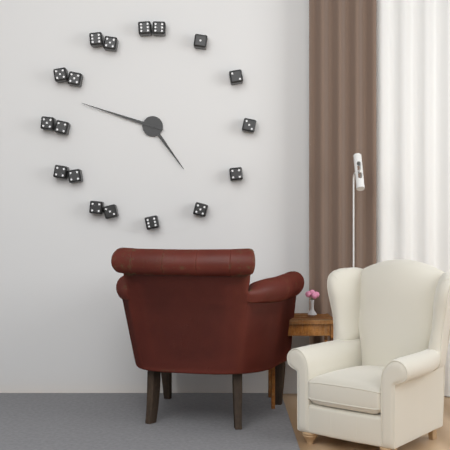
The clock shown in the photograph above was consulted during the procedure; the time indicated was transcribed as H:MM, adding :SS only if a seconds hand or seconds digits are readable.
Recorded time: 4:48
